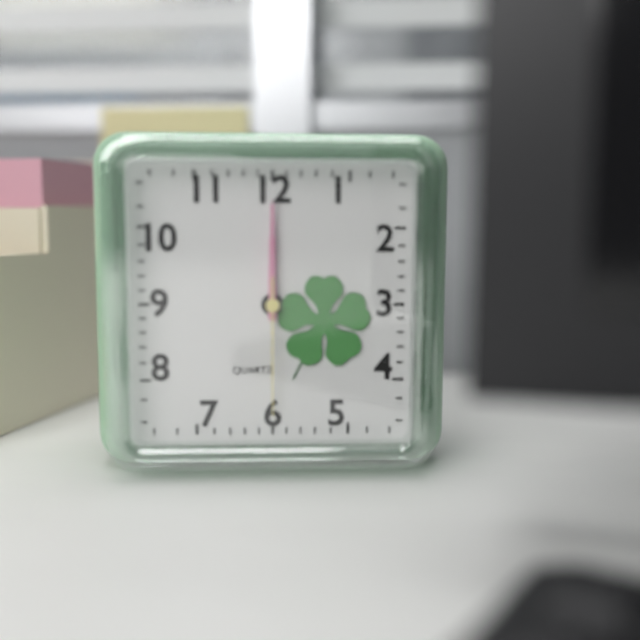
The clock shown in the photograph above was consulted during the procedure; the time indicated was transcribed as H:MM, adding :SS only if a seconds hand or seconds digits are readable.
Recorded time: 12:00:30
